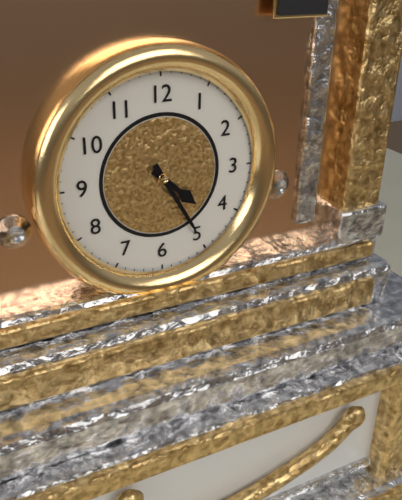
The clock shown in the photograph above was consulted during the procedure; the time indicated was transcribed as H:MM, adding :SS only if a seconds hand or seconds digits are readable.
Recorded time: 4:25
